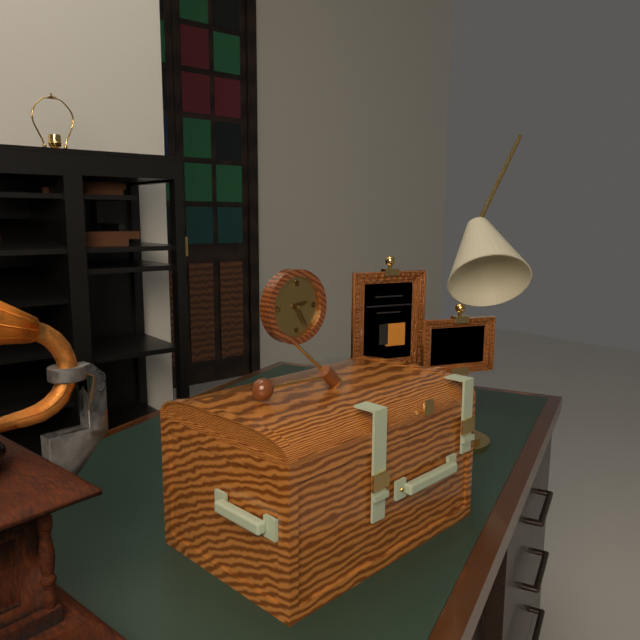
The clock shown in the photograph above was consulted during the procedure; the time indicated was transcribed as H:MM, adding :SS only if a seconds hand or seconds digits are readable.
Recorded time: 2:25
